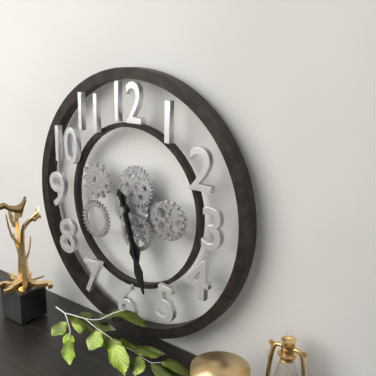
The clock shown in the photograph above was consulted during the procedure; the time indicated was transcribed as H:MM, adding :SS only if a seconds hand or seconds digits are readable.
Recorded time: 5:27
